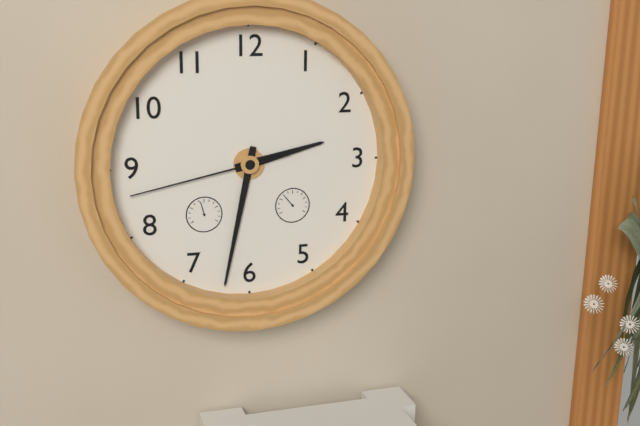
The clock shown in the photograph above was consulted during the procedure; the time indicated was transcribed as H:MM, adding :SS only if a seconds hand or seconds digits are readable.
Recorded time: 2:32:43
